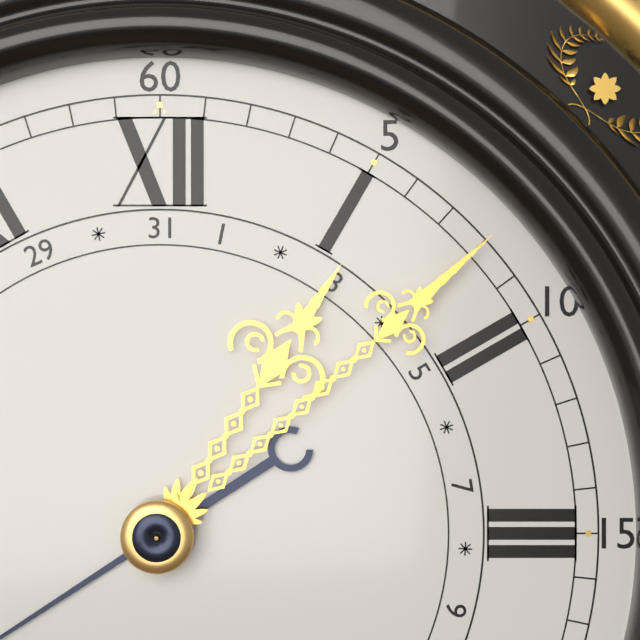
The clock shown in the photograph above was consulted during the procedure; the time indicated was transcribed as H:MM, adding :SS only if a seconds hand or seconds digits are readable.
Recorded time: 1:08
